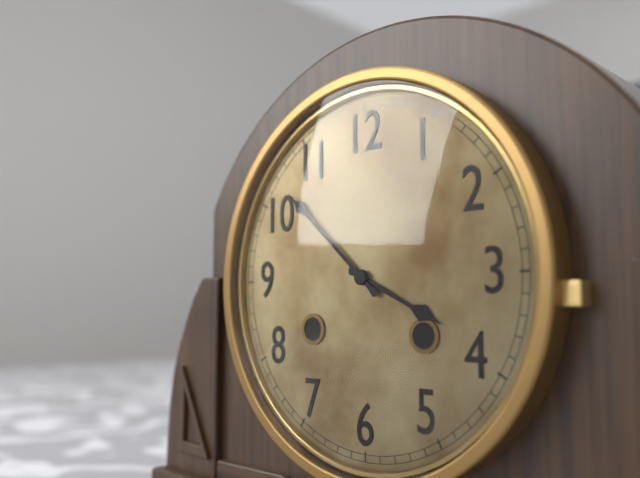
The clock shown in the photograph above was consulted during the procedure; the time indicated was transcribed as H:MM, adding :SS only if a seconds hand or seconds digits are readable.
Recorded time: 3:52
